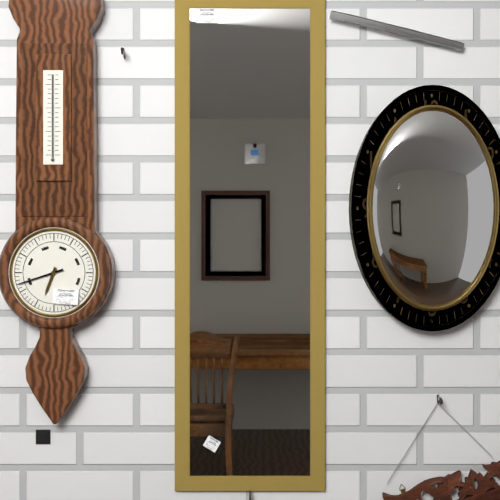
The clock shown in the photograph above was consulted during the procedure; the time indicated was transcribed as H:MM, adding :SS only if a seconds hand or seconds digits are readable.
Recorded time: 6:42
